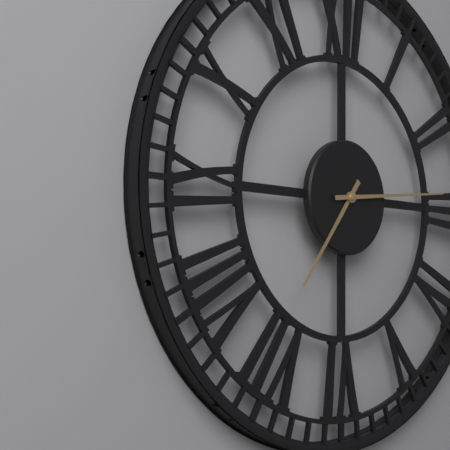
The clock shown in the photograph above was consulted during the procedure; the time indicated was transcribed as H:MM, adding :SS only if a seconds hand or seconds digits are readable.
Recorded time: 7:14
